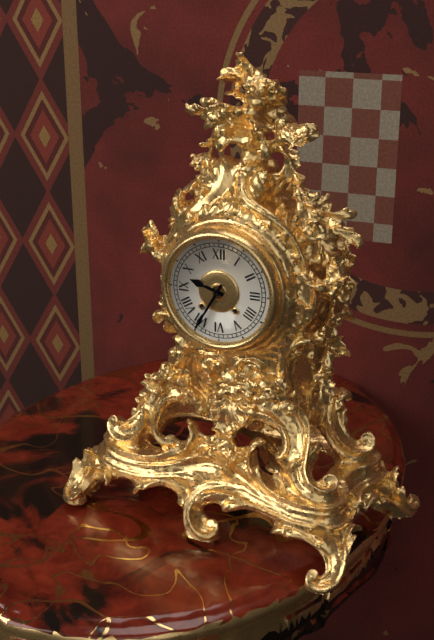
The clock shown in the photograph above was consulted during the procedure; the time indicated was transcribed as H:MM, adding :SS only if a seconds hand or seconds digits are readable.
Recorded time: 9:35
